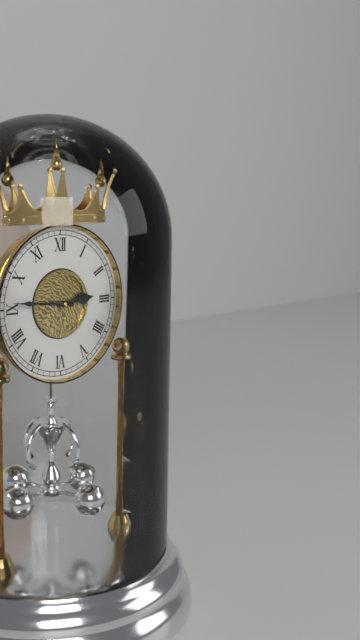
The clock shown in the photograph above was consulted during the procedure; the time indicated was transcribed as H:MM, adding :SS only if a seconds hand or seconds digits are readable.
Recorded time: 2:46
